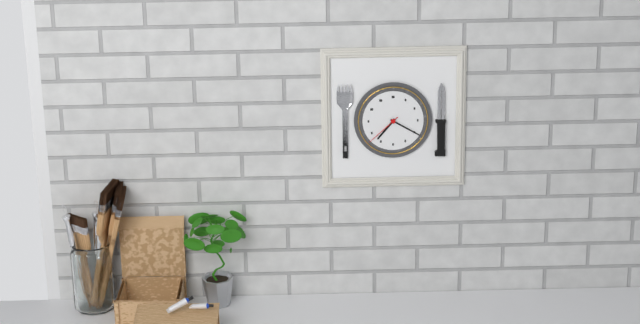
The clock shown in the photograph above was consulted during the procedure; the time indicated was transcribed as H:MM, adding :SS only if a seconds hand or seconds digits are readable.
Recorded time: 7:20
